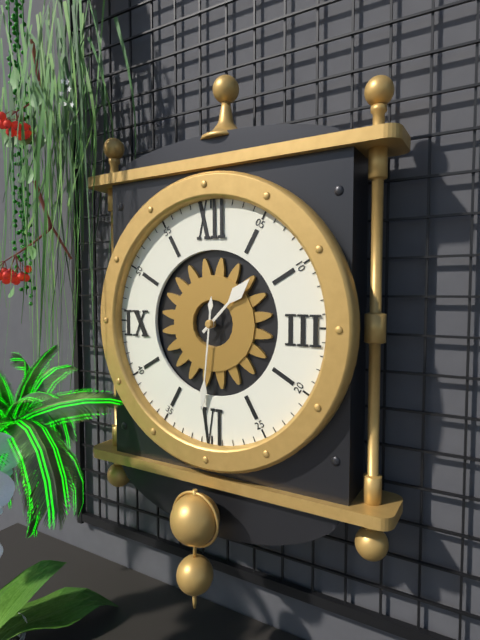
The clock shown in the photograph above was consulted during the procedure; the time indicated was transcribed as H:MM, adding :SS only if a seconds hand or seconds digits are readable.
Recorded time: 1:31
